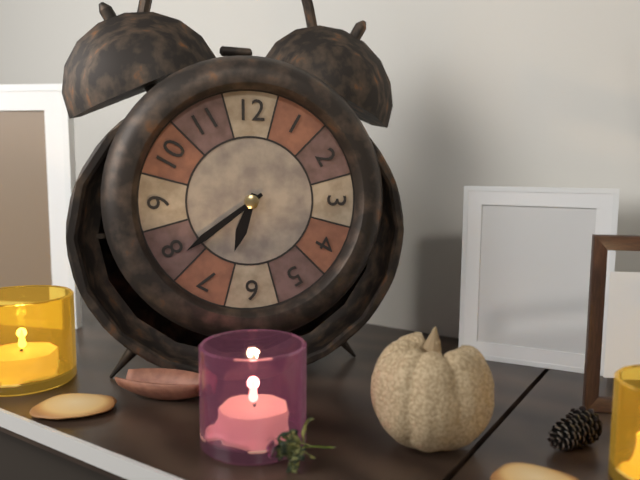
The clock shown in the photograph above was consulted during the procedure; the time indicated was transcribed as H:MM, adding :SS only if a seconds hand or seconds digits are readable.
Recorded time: 6:39
